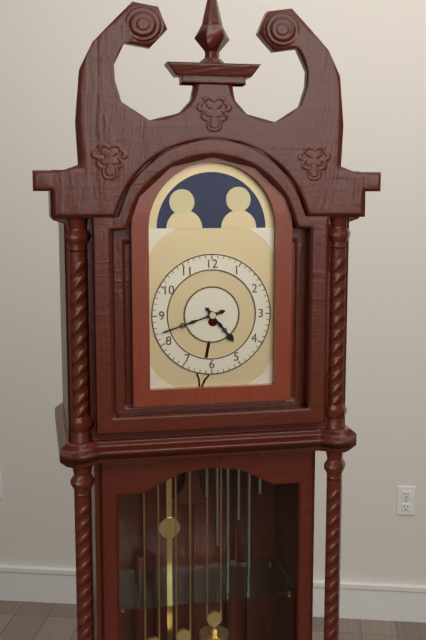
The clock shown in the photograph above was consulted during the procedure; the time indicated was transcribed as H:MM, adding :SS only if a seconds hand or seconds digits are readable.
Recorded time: 4:42
